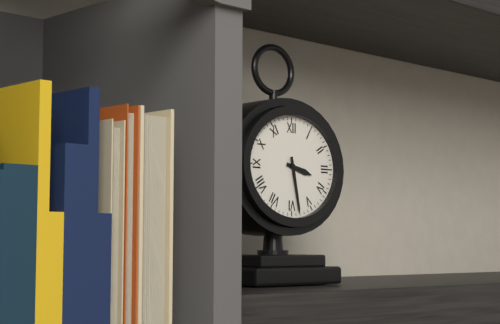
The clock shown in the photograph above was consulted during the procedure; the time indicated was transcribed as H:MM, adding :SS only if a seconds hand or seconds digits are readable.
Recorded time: 3:28
